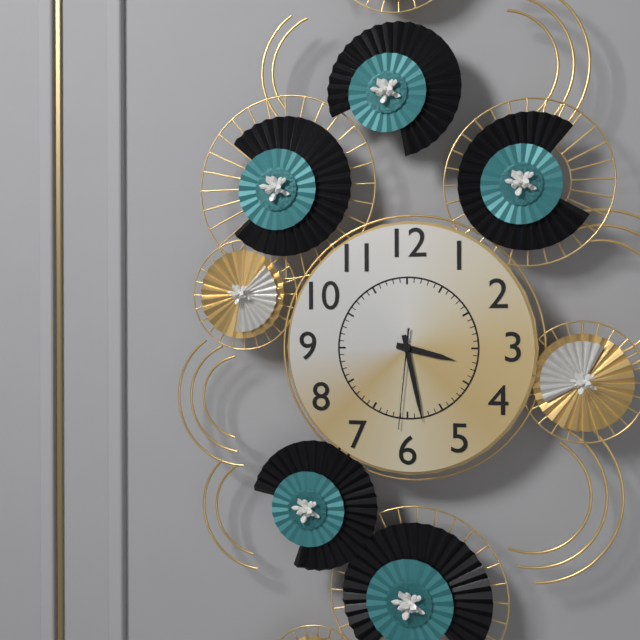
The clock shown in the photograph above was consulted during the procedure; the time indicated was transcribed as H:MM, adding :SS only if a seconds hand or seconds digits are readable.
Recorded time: 3:28:31
